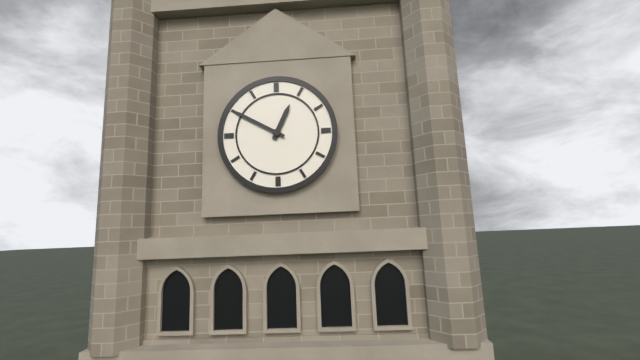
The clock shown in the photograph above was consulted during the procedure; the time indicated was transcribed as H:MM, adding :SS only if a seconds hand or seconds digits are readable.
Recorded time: 12:50
